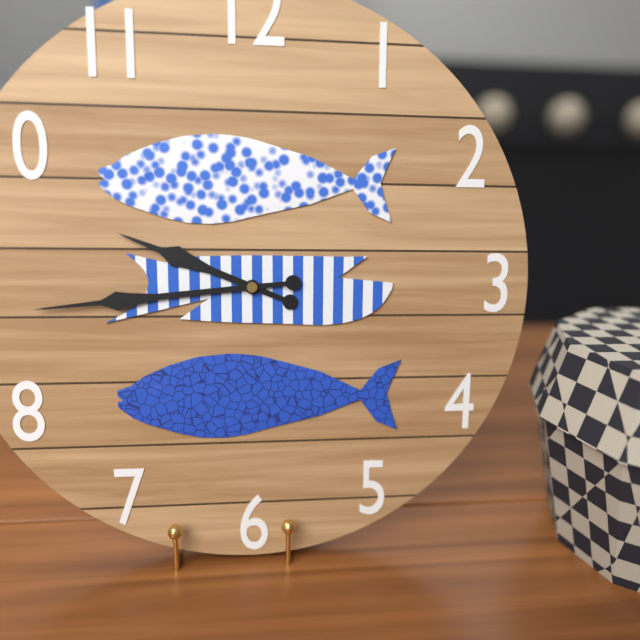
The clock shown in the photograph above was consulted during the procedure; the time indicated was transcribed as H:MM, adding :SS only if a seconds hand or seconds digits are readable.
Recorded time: 9:44
